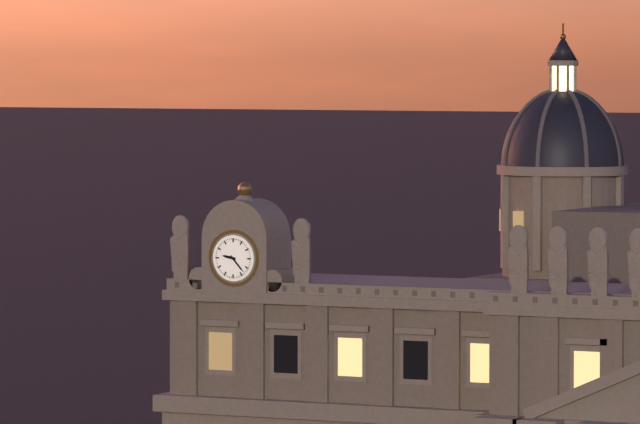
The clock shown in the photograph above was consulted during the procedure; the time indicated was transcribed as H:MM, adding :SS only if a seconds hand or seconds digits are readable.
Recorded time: 9:23
